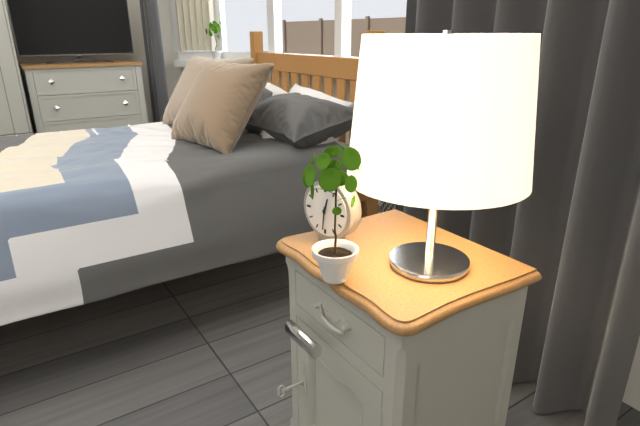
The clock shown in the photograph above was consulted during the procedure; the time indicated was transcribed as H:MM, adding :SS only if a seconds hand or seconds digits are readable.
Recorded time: 12:31
